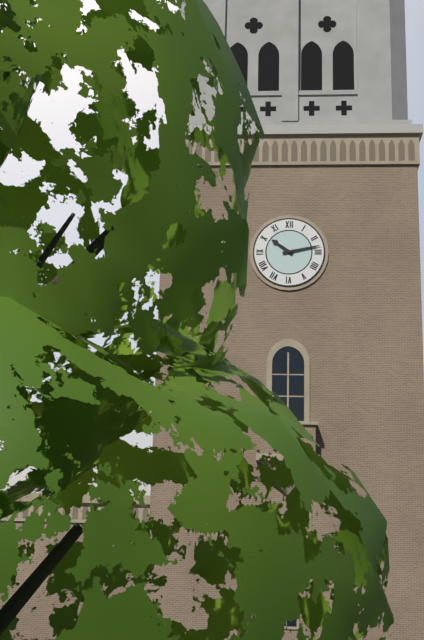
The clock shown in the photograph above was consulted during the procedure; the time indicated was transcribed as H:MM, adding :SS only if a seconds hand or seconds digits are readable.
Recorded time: 10:13
